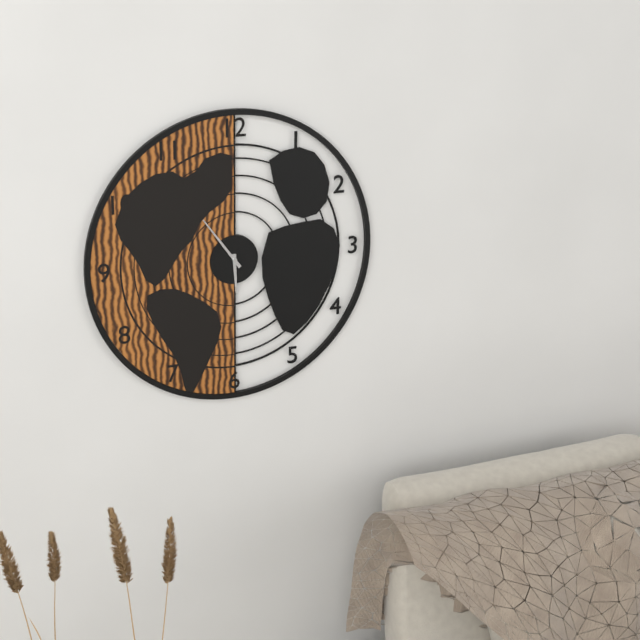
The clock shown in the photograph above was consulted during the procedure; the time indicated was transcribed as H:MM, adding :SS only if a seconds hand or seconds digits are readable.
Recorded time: 5:54
